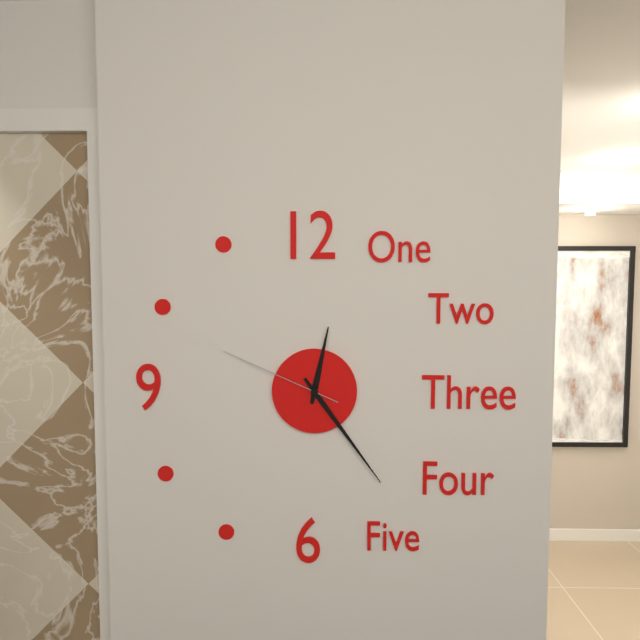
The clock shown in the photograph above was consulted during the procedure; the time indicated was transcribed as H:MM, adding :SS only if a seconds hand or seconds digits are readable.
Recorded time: 12:24:49
